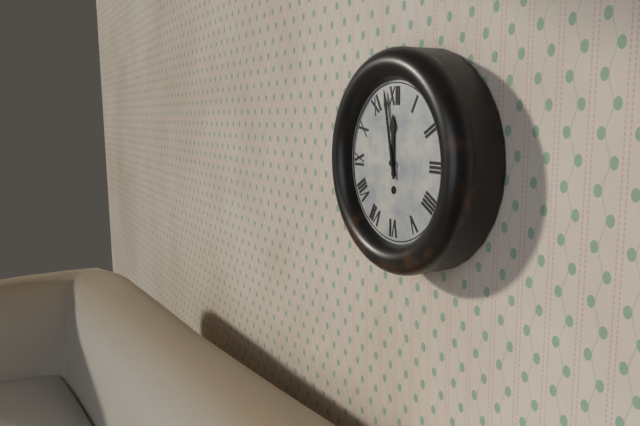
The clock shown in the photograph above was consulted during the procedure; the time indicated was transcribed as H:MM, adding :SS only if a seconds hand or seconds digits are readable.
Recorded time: 11:58
